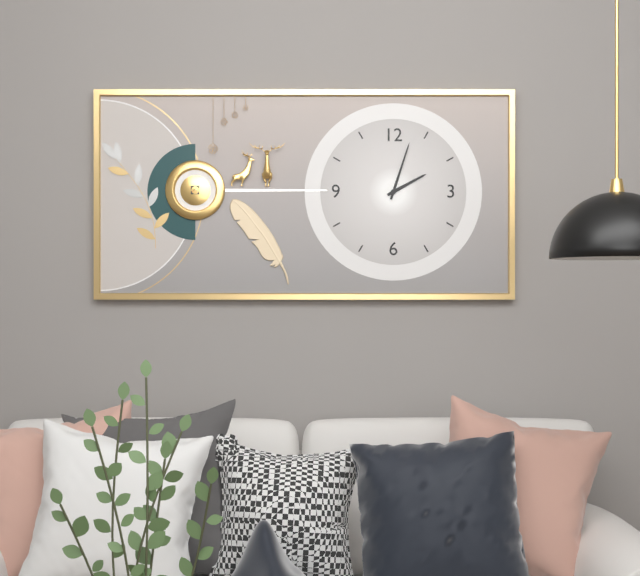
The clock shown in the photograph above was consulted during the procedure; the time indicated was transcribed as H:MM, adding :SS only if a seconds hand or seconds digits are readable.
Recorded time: 2:03
